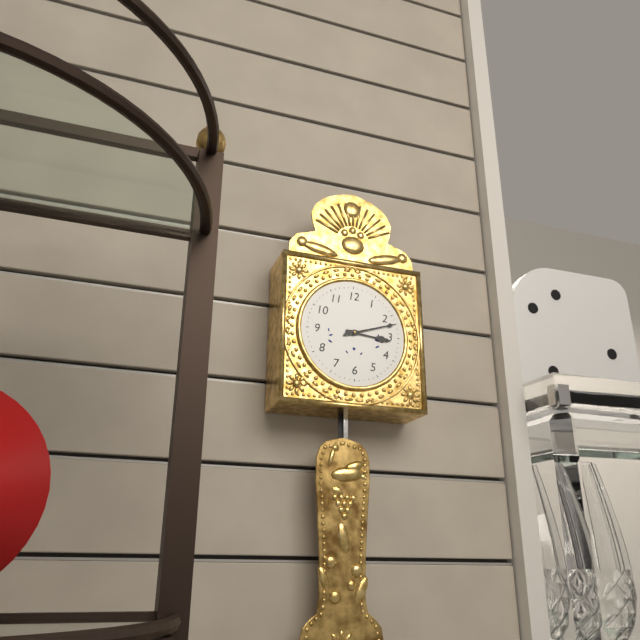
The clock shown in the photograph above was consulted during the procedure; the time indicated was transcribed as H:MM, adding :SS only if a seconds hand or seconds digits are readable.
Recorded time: 3:12
